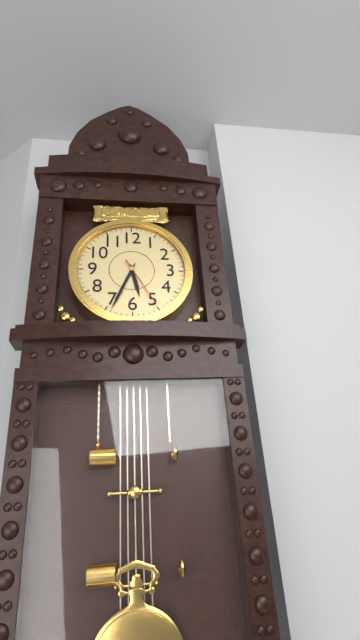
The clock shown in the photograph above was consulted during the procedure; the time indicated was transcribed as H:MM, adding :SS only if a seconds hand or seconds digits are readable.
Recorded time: 5:34:25
